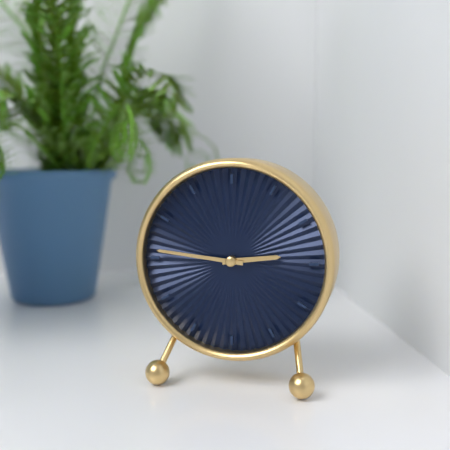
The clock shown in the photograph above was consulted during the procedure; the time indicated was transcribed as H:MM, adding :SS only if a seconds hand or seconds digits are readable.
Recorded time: 2:46
